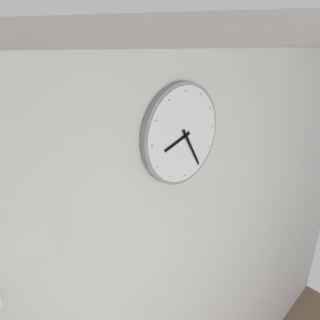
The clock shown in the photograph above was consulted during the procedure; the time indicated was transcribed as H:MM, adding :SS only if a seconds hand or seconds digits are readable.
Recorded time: 8:25
